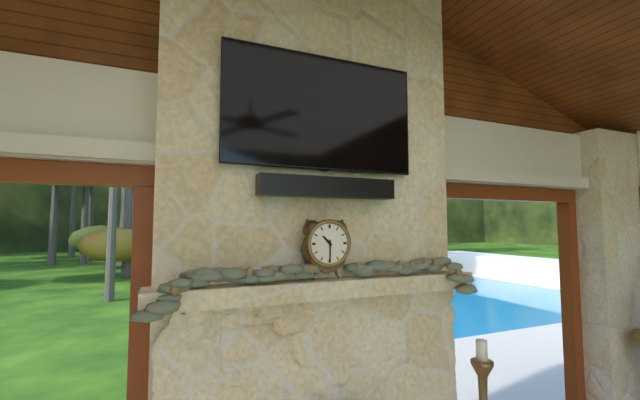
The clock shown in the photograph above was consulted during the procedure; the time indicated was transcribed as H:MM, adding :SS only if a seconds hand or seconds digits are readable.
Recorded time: 10:30
